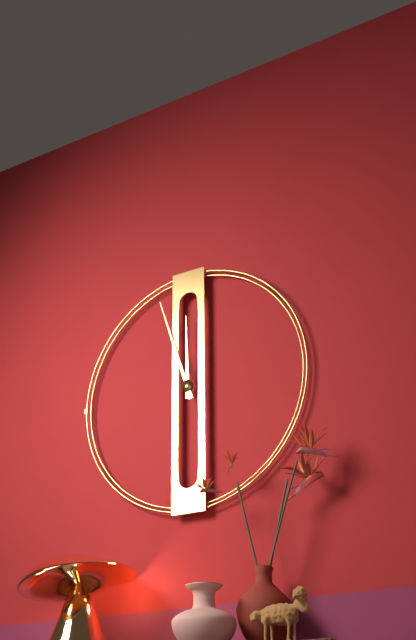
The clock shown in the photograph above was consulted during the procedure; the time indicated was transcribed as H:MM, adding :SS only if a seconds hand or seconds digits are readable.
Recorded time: 11:57
